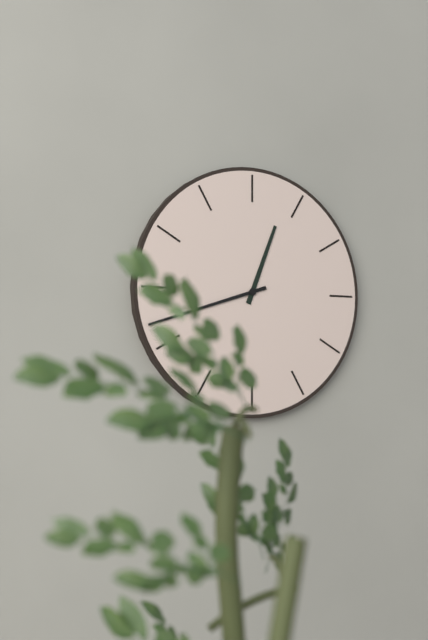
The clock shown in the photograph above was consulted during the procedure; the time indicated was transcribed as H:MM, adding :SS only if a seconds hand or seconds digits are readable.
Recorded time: 12:42
